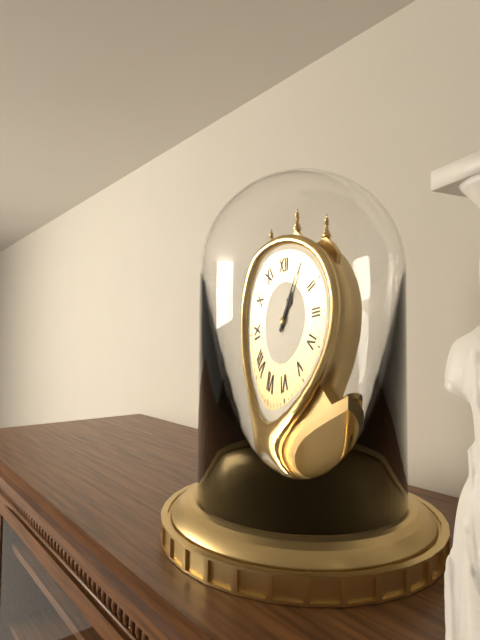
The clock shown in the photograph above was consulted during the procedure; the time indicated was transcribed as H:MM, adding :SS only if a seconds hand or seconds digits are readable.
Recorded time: 1:05
